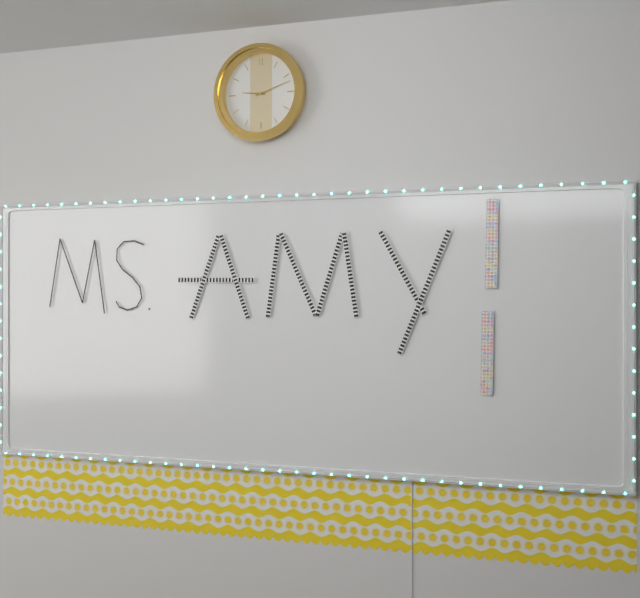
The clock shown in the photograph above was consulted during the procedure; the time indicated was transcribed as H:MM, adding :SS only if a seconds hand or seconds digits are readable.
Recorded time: 9:12
